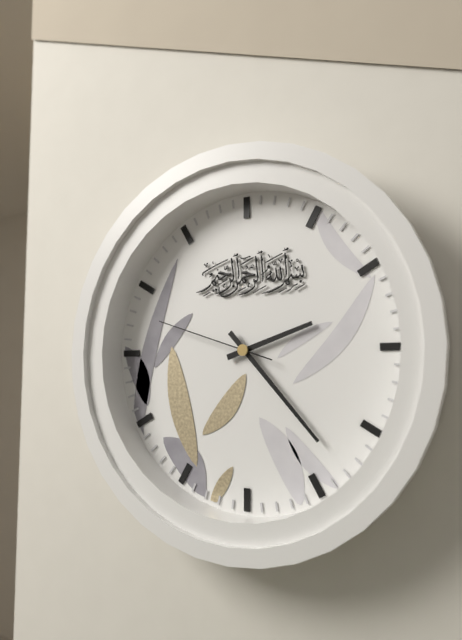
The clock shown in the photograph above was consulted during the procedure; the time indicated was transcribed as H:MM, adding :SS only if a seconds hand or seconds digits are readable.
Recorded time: 2:23:48
